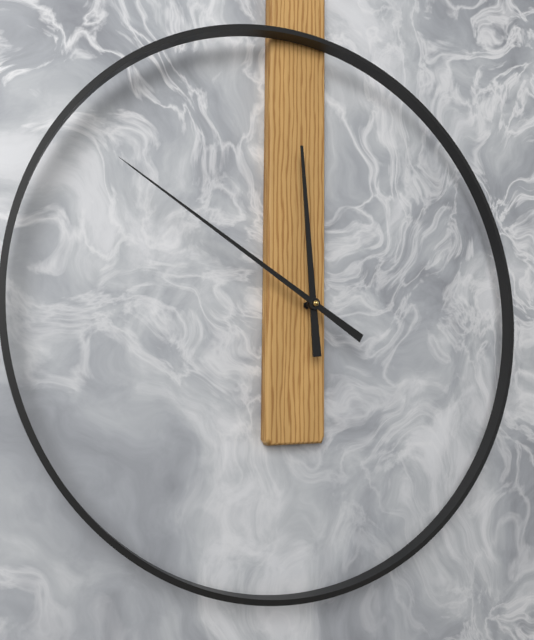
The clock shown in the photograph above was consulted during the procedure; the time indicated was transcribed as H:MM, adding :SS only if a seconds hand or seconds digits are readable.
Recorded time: 11:50
